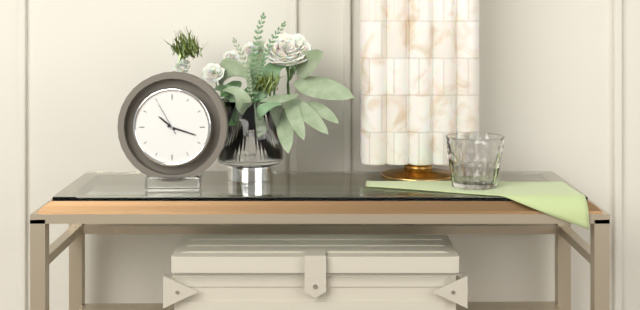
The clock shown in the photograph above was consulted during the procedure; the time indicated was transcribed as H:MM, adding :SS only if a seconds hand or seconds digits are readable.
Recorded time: 10:18
